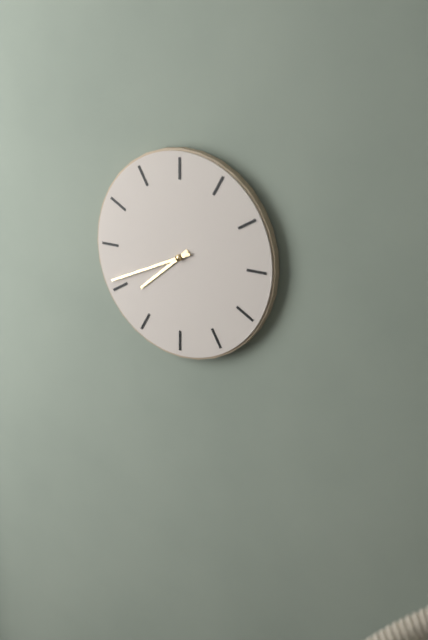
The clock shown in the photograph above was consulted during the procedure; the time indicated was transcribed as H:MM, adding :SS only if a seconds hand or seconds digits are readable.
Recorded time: 7:41
